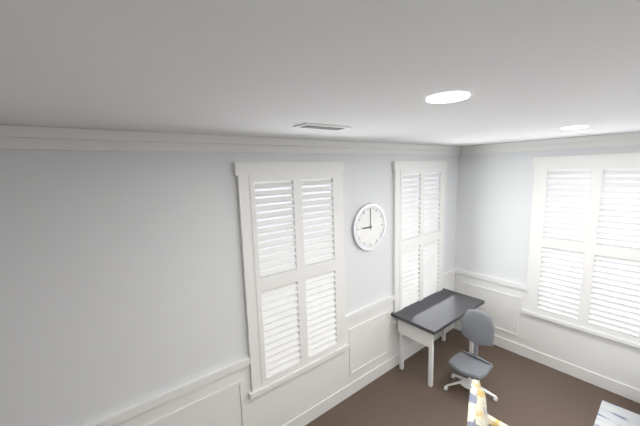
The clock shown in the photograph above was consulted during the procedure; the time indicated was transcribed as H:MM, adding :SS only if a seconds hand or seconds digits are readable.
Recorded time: 9:00
